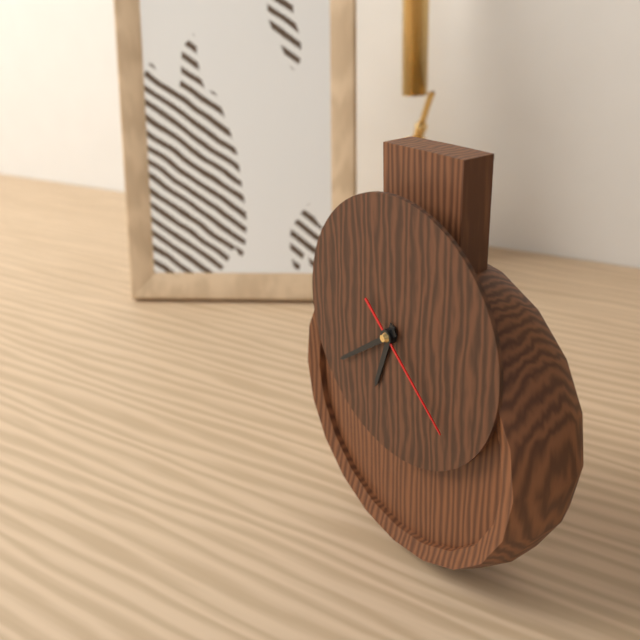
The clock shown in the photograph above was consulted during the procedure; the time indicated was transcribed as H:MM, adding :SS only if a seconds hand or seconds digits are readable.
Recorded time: 6:39:22
